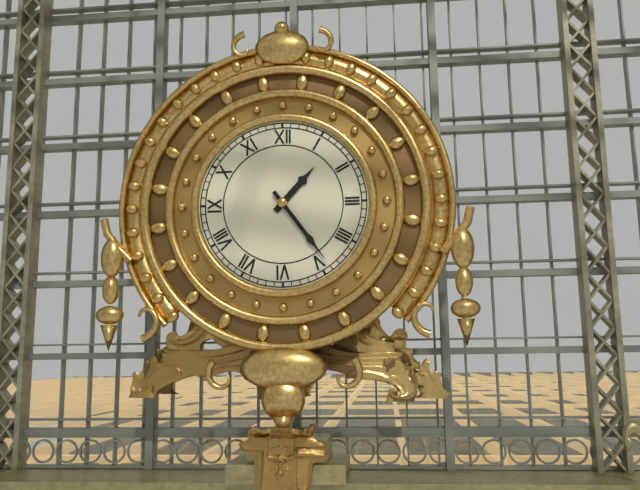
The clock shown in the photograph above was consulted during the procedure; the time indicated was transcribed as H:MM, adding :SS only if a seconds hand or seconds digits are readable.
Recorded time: 1:24
